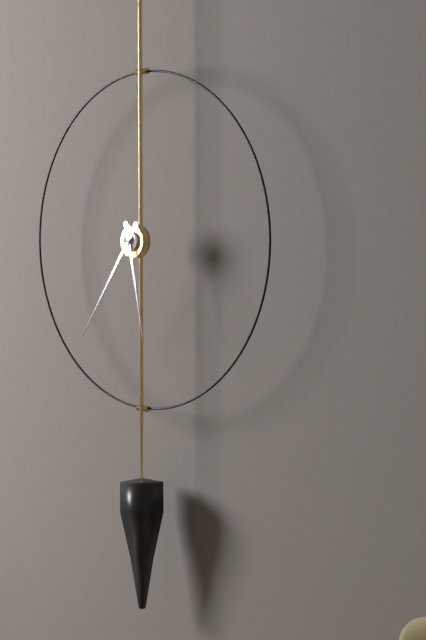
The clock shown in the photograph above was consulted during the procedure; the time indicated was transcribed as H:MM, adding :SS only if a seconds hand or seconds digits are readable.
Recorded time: 5:36
